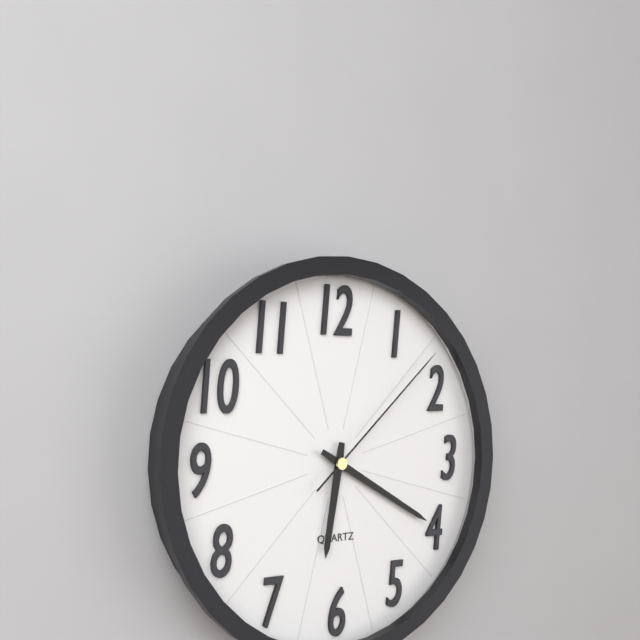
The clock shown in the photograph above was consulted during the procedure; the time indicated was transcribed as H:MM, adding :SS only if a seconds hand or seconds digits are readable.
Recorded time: 6:20:08
